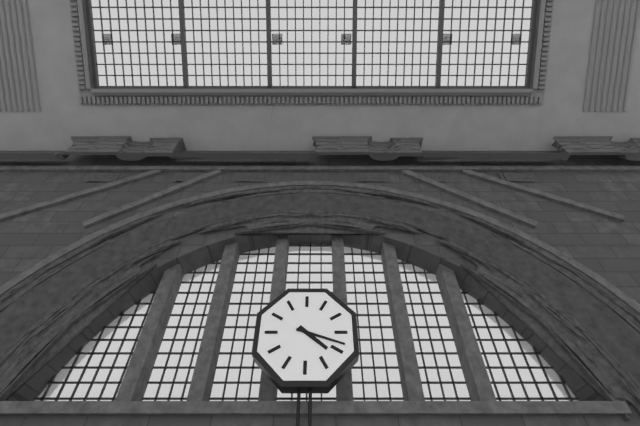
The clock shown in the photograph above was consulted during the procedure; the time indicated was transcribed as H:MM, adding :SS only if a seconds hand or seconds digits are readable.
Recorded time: 4:18
